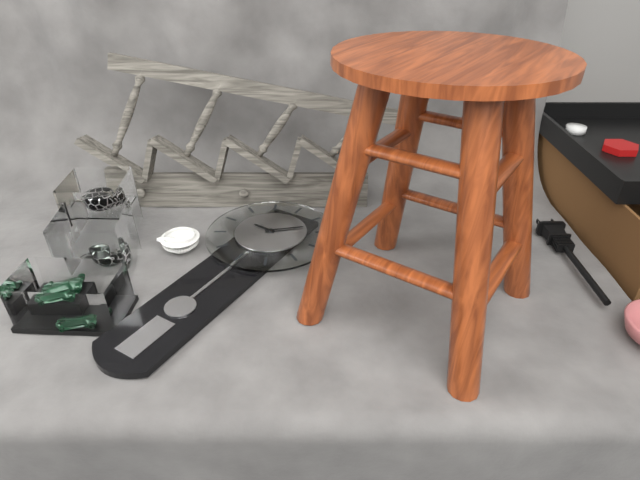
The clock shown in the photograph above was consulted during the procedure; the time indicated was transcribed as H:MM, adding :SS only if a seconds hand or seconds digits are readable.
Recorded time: 9:08
